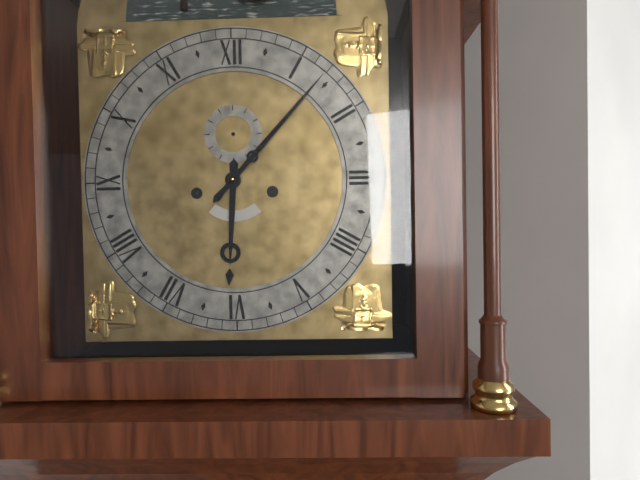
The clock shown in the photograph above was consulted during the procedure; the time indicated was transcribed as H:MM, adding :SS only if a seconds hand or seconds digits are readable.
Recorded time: 6:07
